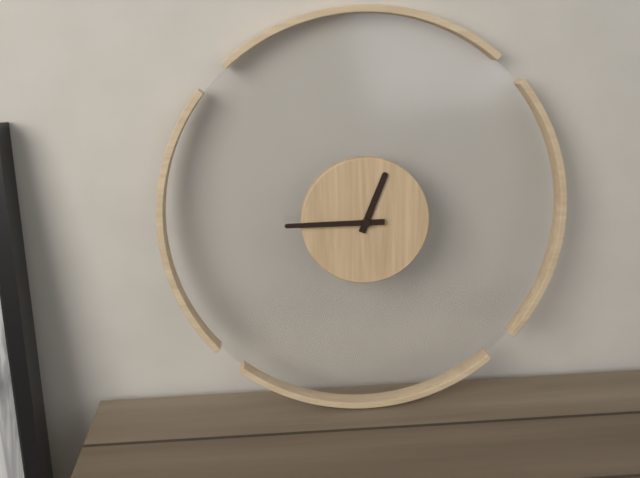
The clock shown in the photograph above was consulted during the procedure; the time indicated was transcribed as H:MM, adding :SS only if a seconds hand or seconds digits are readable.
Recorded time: 12:45
